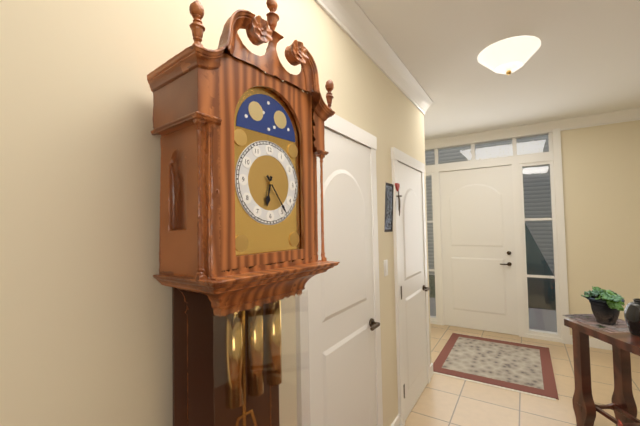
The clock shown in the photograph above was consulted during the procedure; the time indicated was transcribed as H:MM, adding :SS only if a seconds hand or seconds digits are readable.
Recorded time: 6:24
